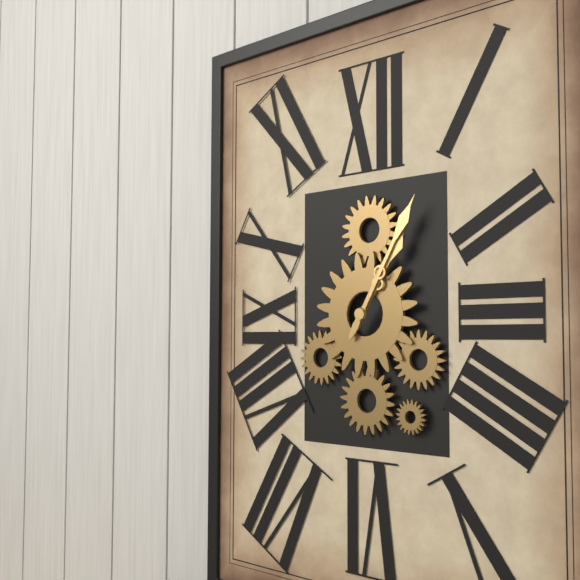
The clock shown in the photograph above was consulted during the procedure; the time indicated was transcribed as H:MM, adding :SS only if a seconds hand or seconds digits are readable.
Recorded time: 1:05
